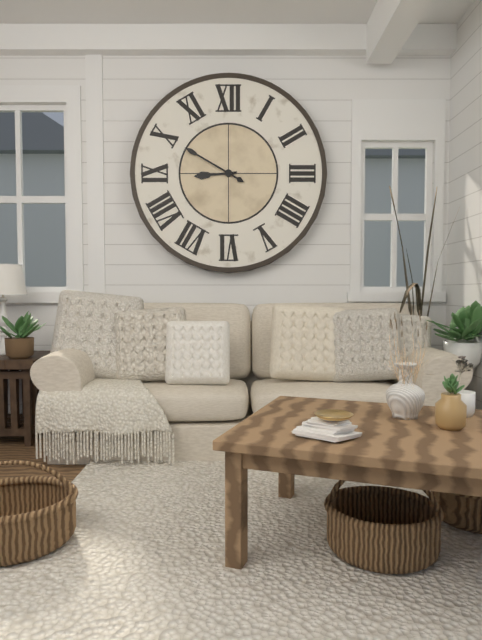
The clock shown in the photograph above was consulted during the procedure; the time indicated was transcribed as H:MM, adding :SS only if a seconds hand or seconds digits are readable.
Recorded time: 8:50
